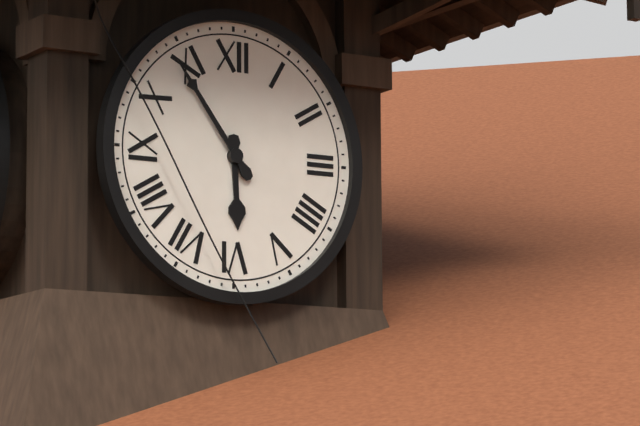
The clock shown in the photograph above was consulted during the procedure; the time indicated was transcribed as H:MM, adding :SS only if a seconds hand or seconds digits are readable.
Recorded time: 5:54
